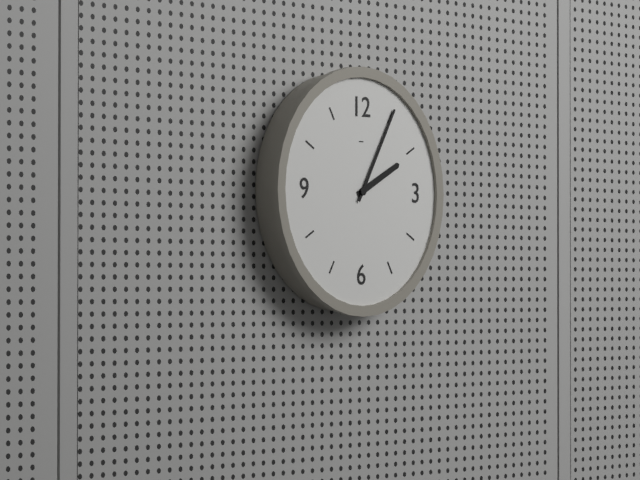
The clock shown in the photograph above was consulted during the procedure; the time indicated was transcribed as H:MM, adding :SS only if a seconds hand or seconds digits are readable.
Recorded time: 2:05
